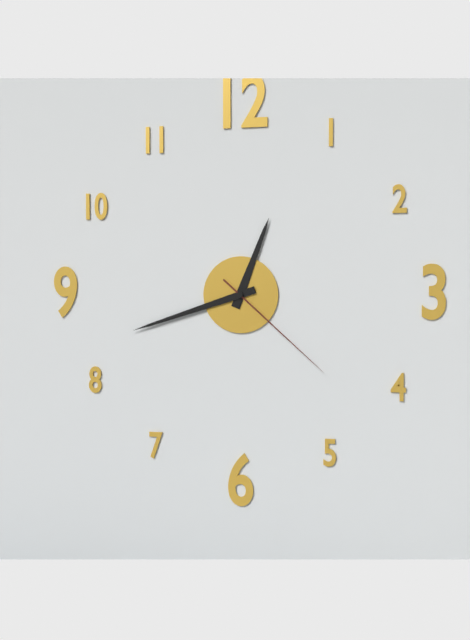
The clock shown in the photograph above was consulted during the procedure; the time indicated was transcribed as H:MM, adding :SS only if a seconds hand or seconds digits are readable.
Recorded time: 12:42:22
